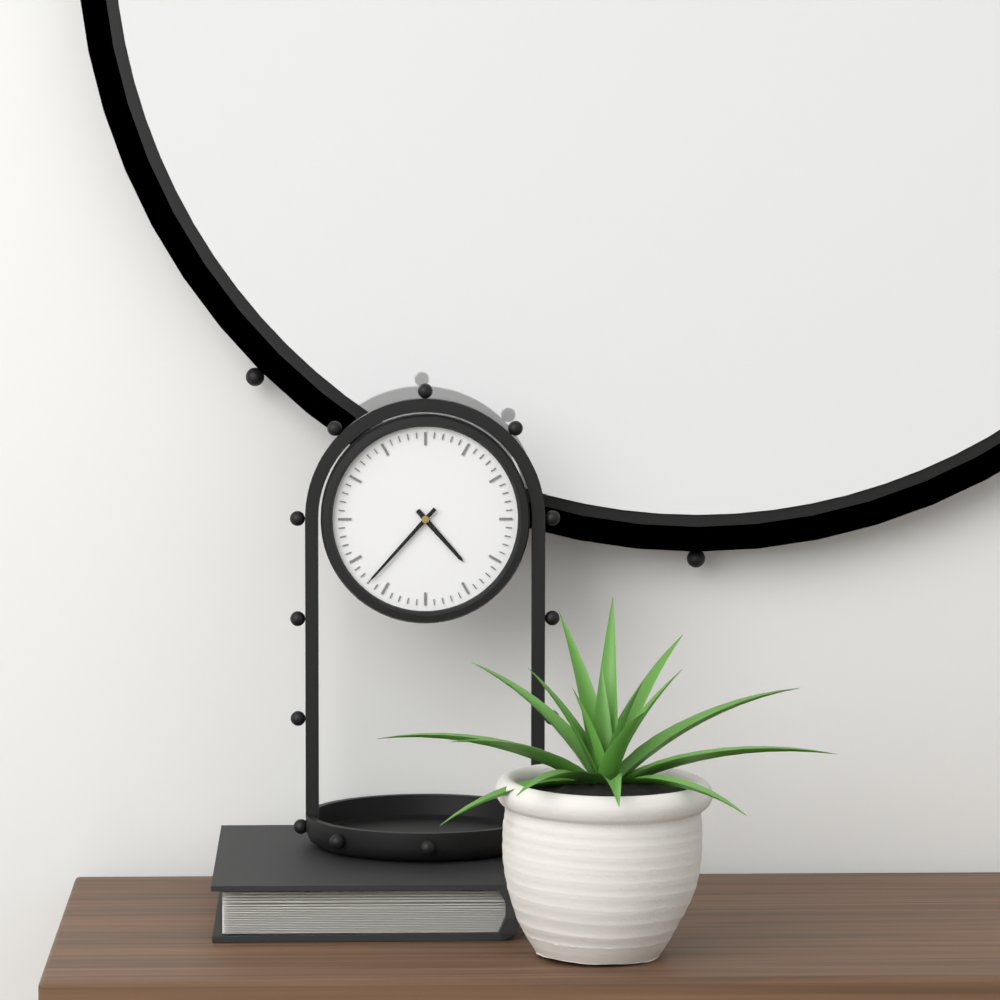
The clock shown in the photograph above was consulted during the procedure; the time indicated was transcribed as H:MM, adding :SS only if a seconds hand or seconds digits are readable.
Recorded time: 4:37
